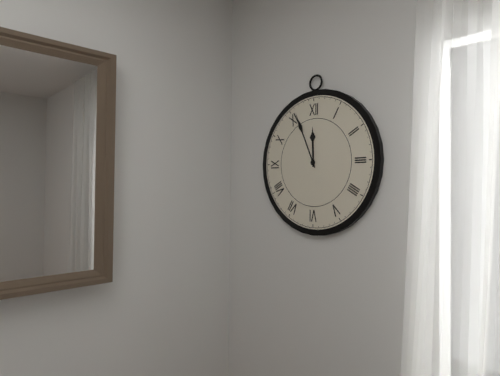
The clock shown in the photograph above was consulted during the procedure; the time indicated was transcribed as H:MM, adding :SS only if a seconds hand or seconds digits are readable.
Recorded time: 11:56
